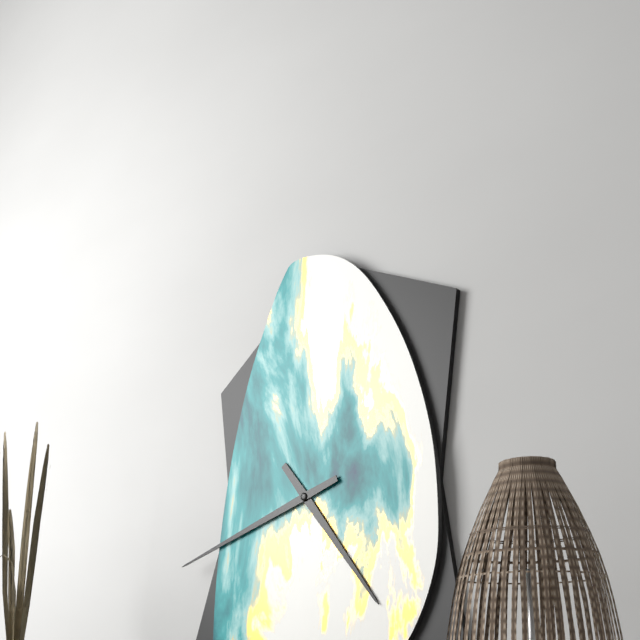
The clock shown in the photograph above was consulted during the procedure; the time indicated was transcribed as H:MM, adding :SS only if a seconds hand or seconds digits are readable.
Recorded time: 4:42
